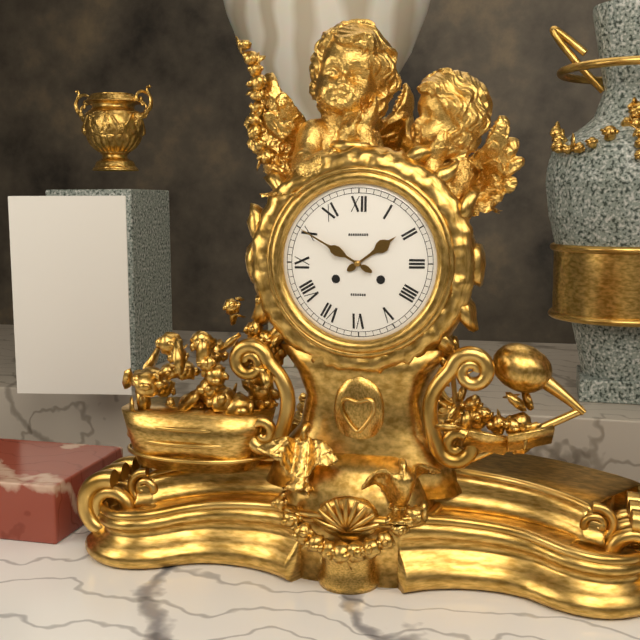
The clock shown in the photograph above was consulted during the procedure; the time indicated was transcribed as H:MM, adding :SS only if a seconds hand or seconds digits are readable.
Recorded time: 1:50
